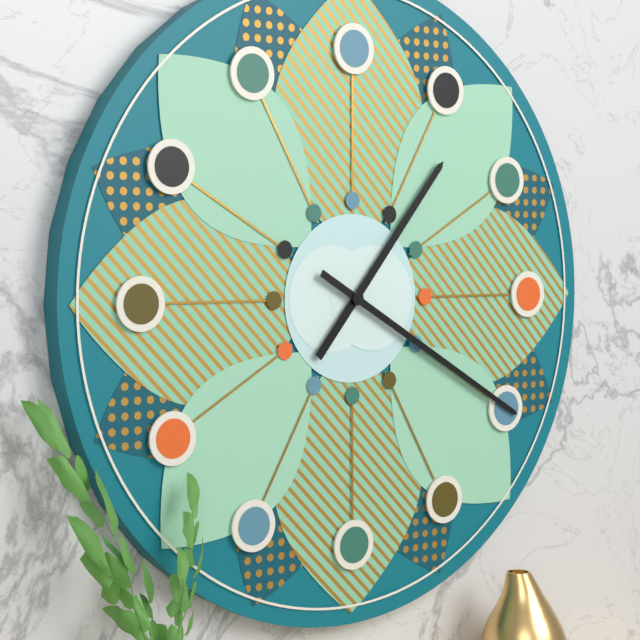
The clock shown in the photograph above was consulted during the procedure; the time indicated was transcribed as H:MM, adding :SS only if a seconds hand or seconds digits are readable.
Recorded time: 1:20
